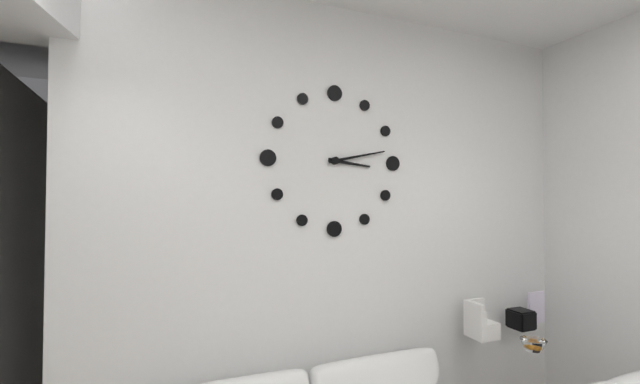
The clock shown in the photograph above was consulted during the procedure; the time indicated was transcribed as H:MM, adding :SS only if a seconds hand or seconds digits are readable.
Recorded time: 3:13
